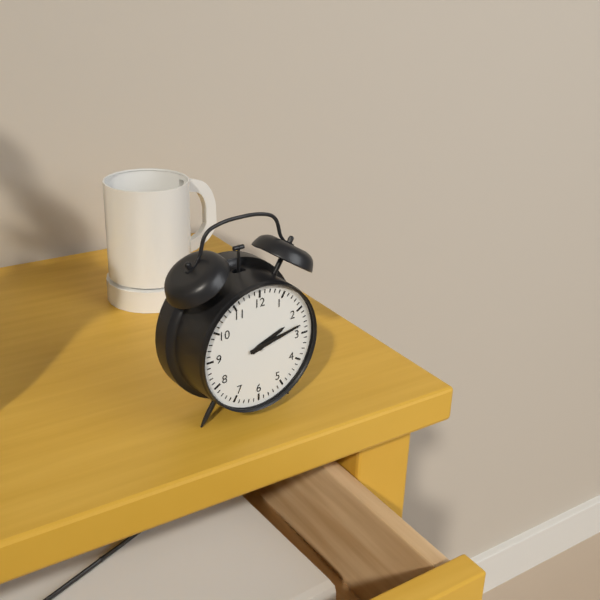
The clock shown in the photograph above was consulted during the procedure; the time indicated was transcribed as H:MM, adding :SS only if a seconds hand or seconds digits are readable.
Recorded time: 2:13
